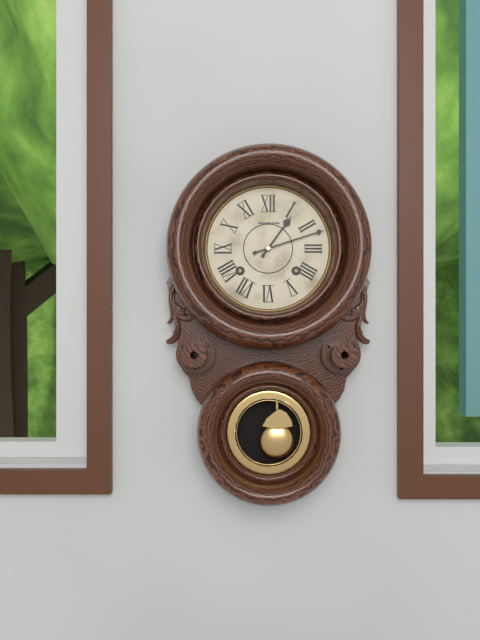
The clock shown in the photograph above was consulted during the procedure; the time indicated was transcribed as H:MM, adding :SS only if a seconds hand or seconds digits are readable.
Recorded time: 1:12
